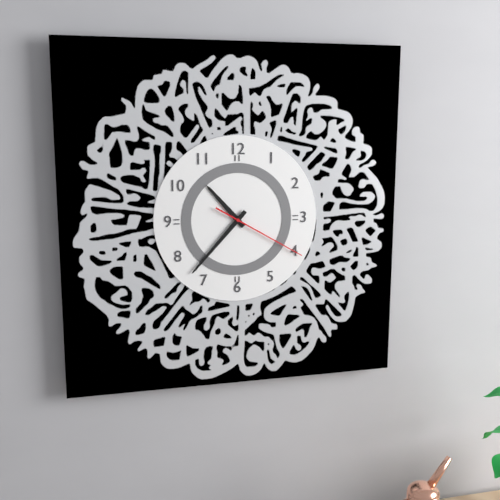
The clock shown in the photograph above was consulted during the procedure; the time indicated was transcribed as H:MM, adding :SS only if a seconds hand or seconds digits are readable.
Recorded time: 10:37:20
